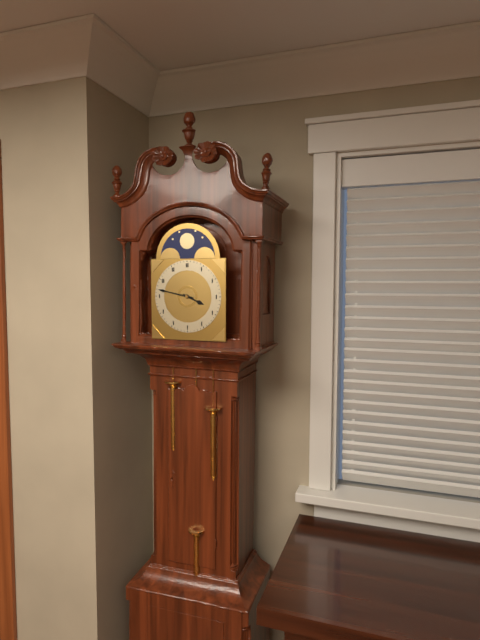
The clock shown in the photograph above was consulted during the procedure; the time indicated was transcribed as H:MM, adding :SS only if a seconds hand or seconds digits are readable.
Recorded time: 3:47
